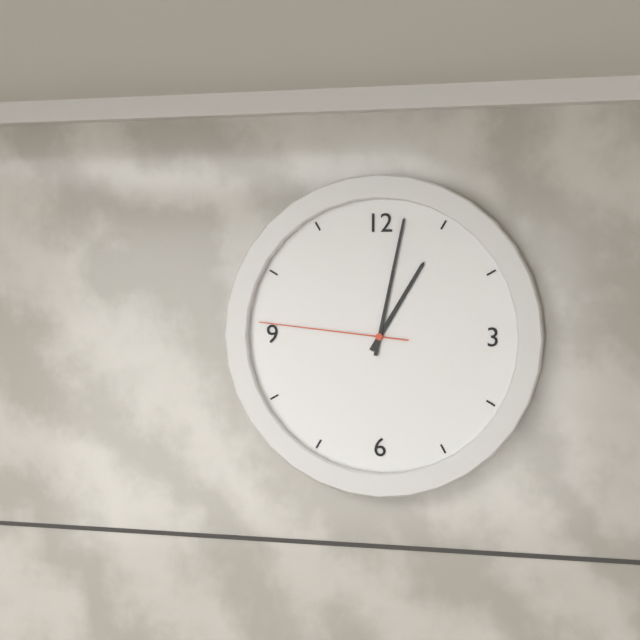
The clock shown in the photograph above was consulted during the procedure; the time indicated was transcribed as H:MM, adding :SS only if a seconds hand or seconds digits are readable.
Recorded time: 1:02:46
